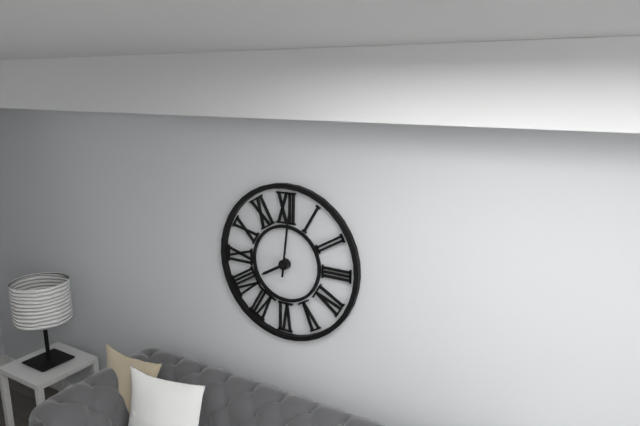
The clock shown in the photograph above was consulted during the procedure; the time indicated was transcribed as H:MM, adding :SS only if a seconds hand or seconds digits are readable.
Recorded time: 8:01
